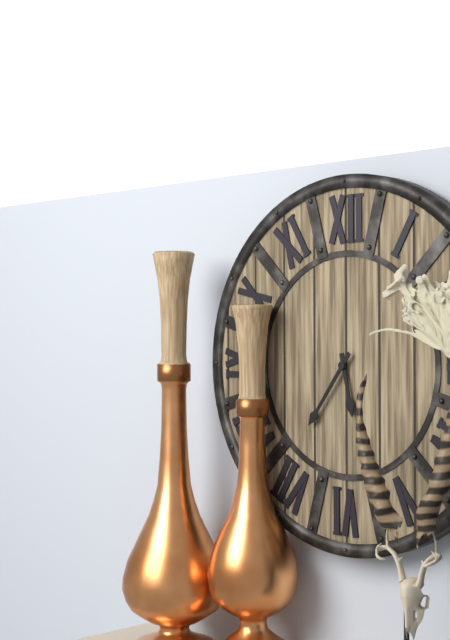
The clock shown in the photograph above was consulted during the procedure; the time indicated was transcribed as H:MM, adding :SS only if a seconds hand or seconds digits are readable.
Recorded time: 5:36
